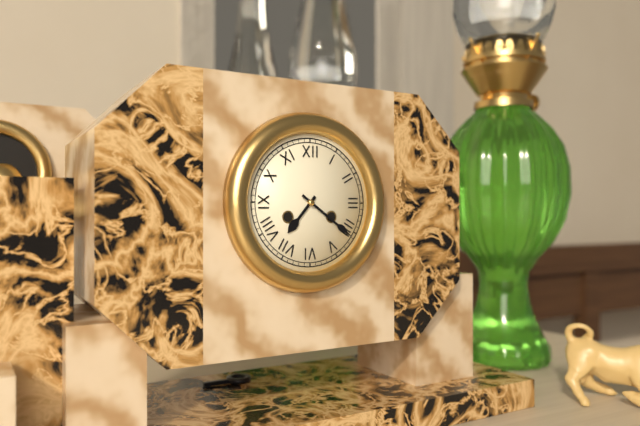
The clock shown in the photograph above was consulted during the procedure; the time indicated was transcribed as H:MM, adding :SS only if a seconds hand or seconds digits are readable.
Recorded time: 7:21
